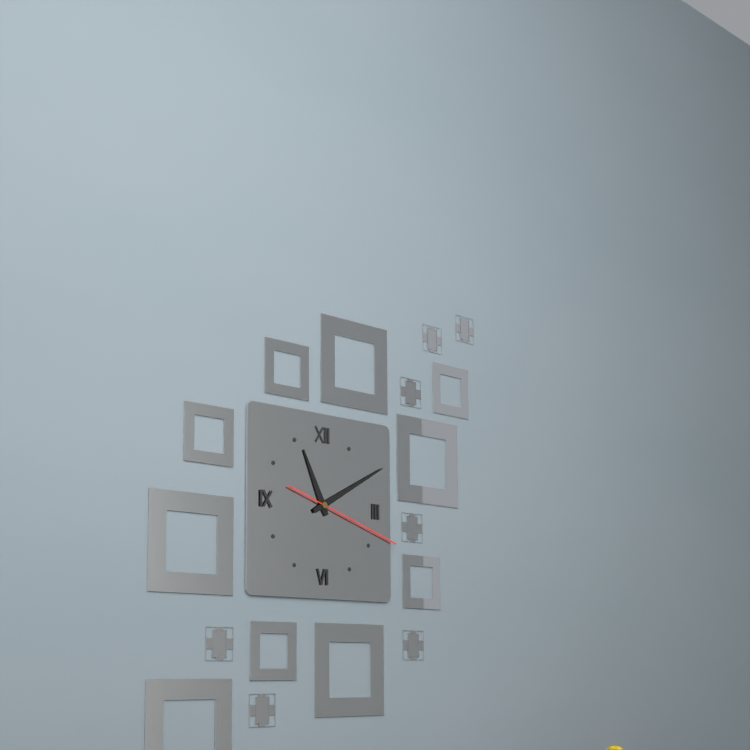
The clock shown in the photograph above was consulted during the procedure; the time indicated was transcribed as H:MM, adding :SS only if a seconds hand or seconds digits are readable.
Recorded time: 11:10:18
